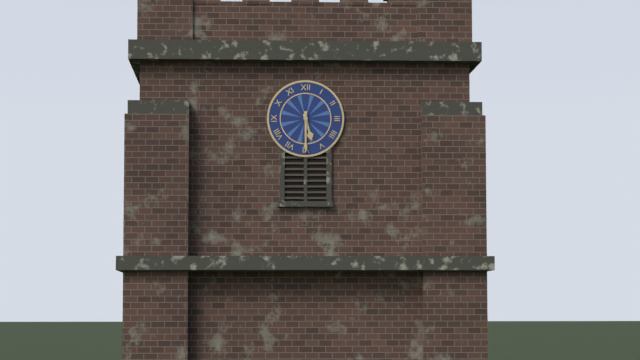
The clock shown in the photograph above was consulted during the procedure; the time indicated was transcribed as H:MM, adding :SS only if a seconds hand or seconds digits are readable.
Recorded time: 5:30
